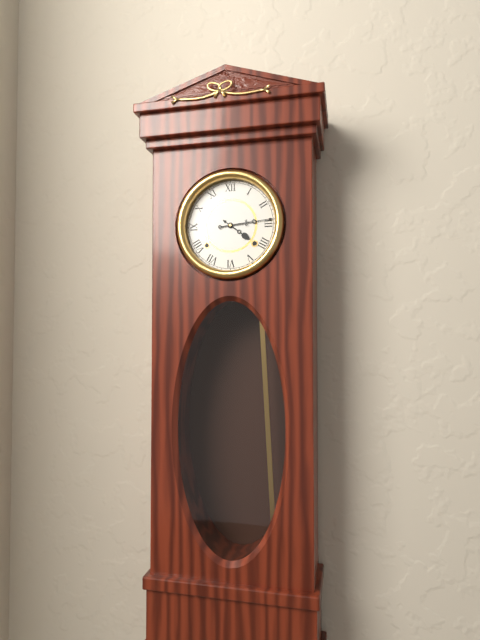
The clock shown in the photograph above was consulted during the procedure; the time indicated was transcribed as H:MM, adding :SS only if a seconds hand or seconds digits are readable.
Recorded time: 4:14
